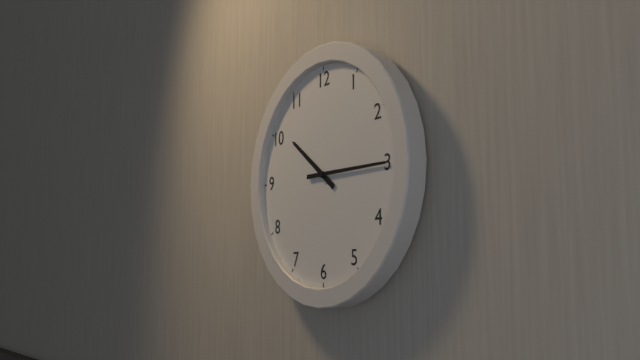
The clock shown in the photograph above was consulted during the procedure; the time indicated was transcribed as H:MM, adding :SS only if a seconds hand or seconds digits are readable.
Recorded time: 10:15
